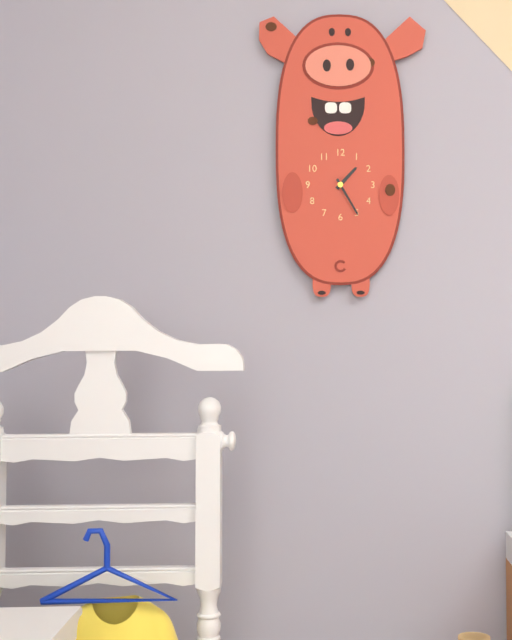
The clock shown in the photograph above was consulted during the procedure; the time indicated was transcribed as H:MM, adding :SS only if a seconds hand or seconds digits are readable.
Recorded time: 1:25
